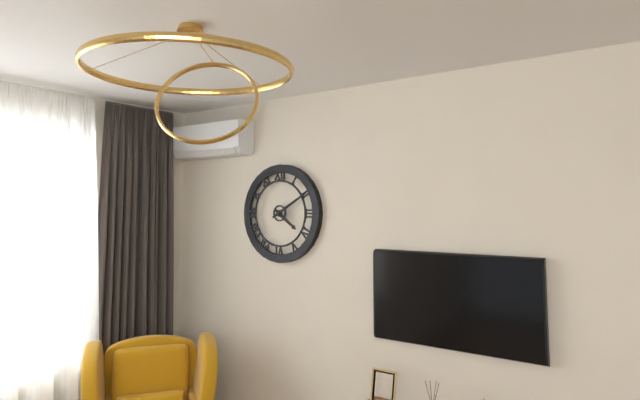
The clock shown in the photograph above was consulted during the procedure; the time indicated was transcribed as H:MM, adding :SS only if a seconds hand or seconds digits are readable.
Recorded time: 4:10
